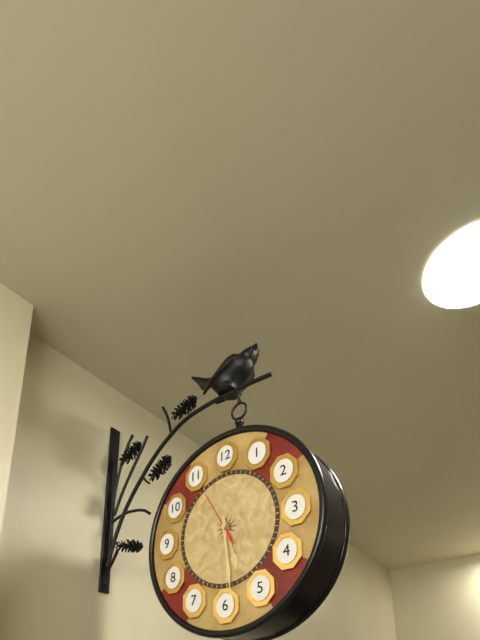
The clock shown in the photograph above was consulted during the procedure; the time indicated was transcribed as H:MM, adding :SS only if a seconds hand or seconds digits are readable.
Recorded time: 5:29:55
